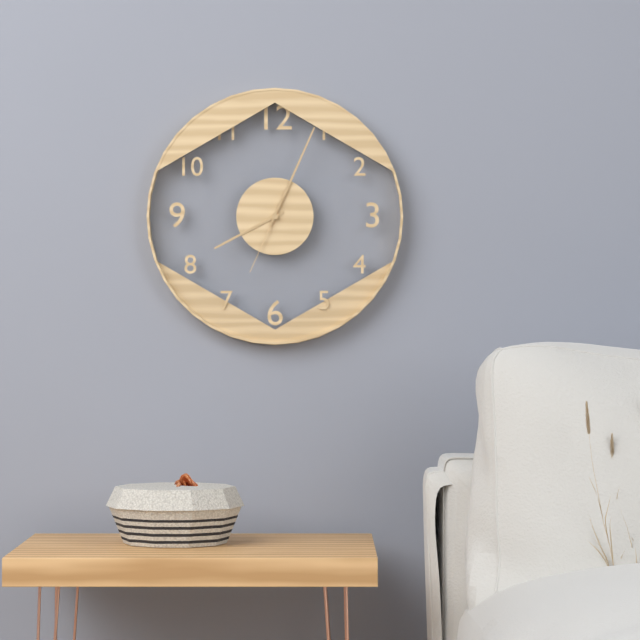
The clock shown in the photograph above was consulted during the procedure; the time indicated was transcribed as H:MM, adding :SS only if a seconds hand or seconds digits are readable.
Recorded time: 8:04:34
